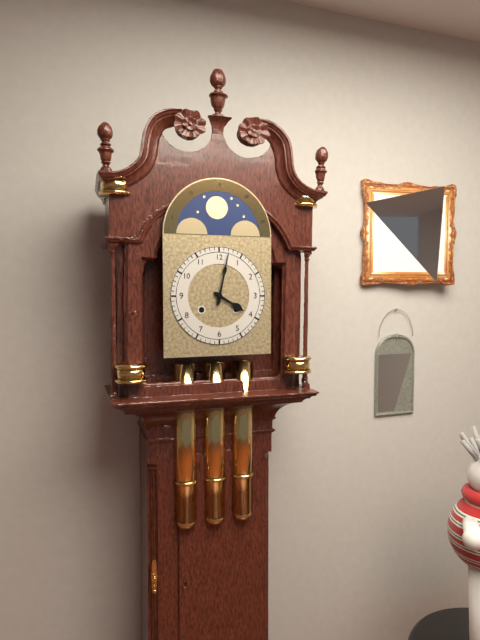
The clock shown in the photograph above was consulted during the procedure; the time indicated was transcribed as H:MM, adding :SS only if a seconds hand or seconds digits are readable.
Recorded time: 4:02
